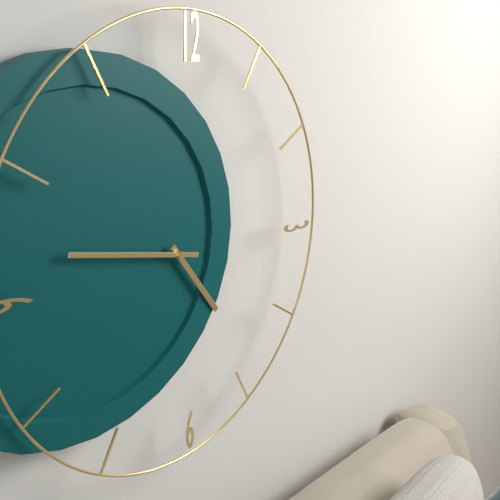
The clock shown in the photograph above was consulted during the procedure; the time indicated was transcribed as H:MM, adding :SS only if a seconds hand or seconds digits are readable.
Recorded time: 4:47
